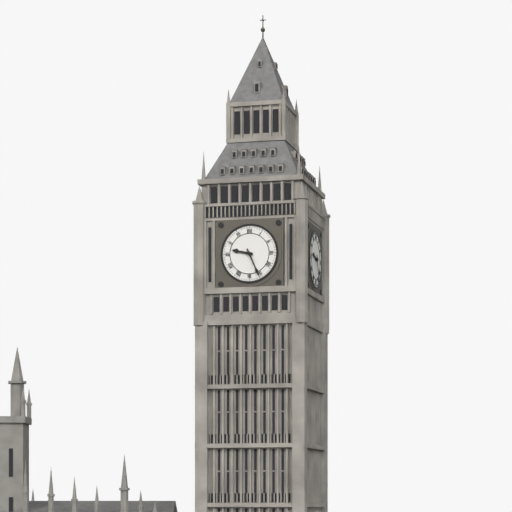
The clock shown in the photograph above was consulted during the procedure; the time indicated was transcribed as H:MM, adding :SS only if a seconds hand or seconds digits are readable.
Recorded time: 9:26
